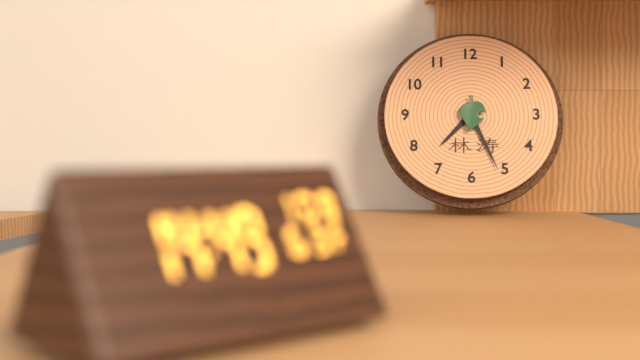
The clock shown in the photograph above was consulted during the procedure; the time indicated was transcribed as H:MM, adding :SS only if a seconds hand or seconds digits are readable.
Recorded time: 7:26
